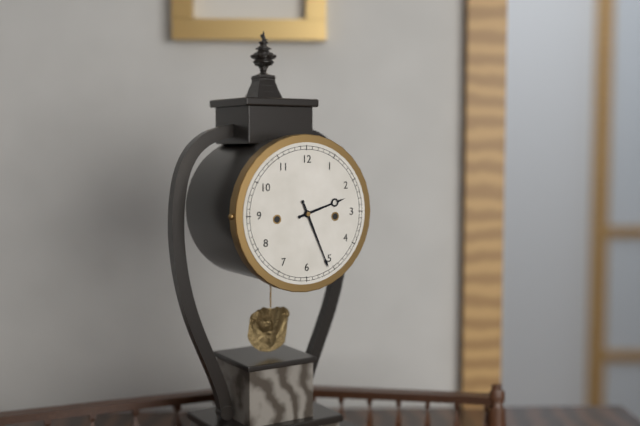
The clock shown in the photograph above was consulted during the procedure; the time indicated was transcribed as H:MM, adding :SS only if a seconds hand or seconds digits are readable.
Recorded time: 2:26
